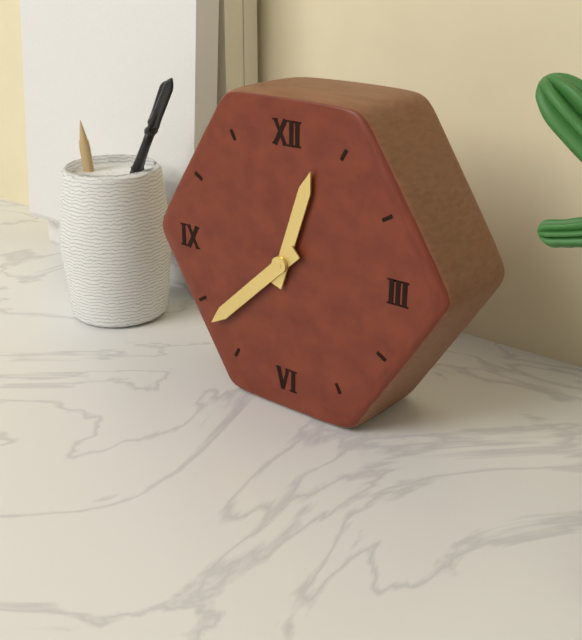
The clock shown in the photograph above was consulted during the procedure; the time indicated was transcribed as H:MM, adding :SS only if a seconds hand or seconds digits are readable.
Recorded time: 12:38
